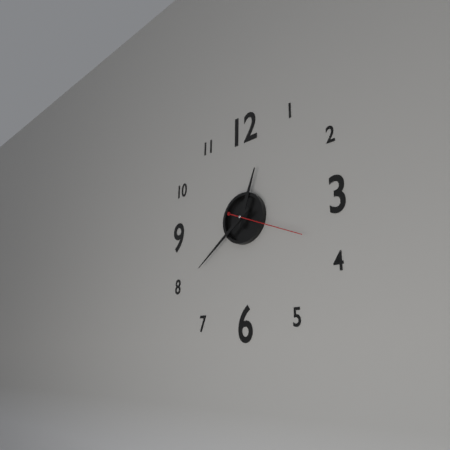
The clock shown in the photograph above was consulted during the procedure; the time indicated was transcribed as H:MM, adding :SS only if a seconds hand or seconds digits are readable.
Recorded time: 12:39:19
